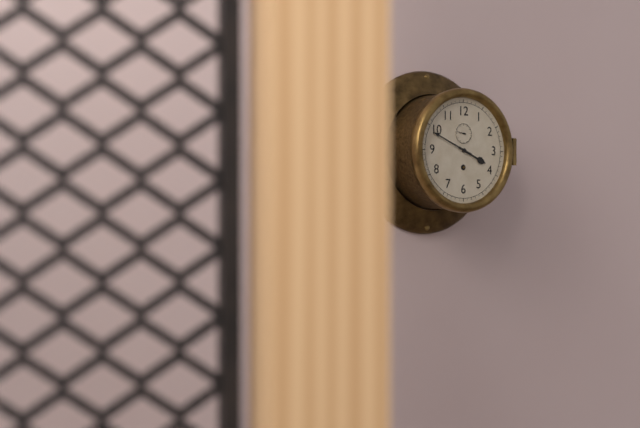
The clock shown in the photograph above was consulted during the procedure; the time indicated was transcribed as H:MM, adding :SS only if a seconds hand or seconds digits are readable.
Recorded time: 3:49
